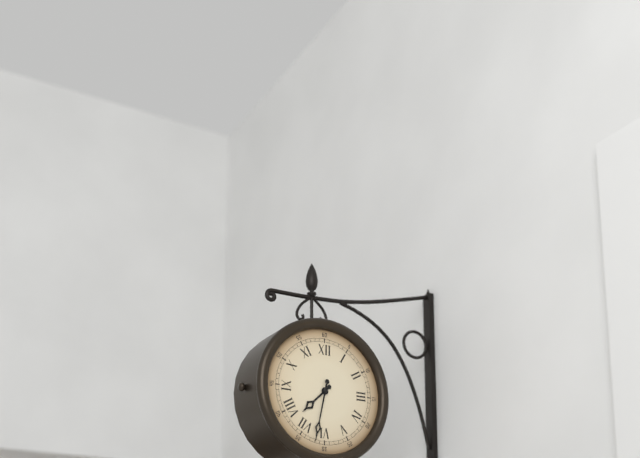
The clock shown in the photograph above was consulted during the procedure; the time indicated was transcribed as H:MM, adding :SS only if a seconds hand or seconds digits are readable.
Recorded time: 7:32
